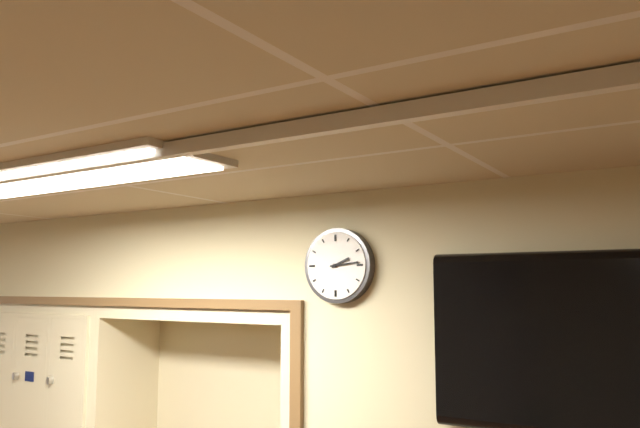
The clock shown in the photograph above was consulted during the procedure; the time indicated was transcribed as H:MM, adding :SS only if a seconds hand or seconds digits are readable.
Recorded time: 2:14
